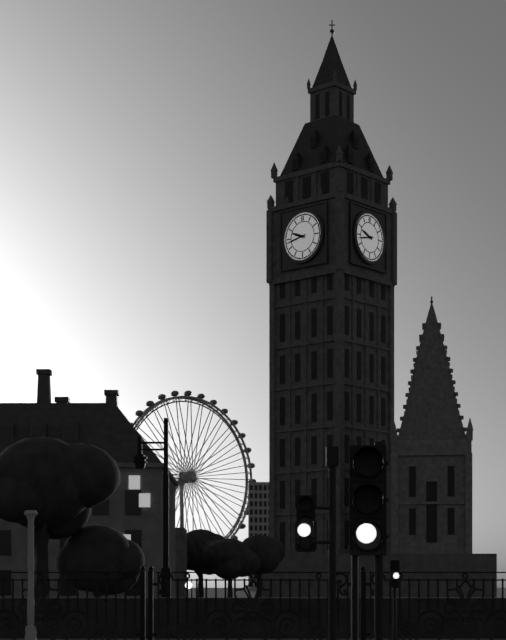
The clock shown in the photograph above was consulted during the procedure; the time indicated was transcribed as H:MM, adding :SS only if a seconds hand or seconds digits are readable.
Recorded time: 9:43
